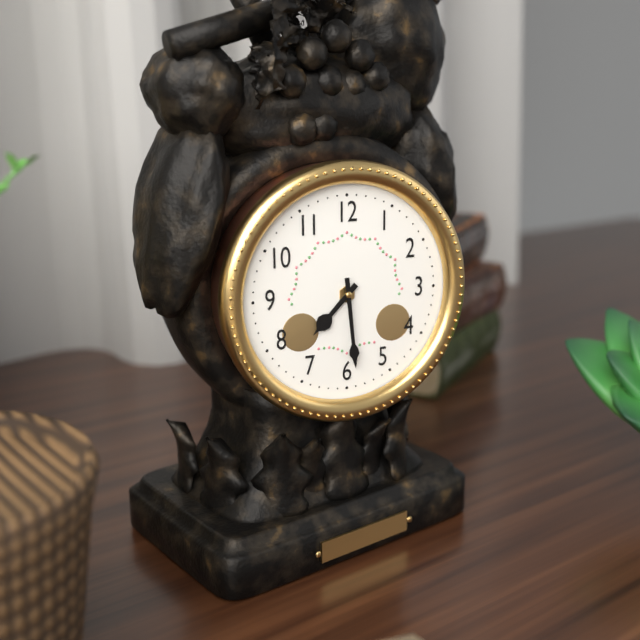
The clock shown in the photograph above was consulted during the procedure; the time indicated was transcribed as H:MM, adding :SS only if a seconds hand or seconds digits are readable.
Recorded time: 7:29
